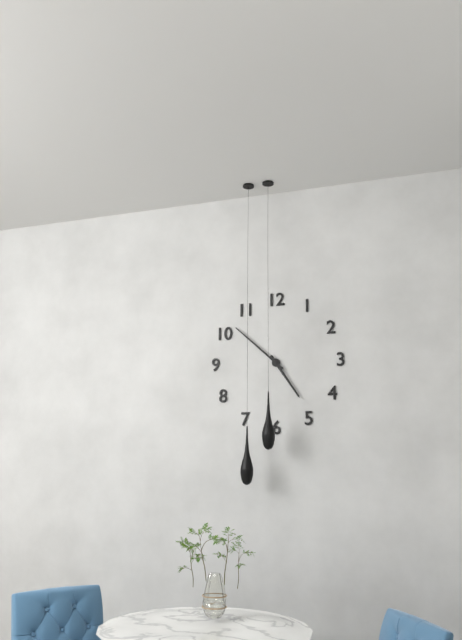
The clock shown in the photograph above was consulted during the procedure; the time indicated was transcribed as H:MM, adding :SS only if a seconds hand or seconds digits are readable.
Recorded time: 4:52
